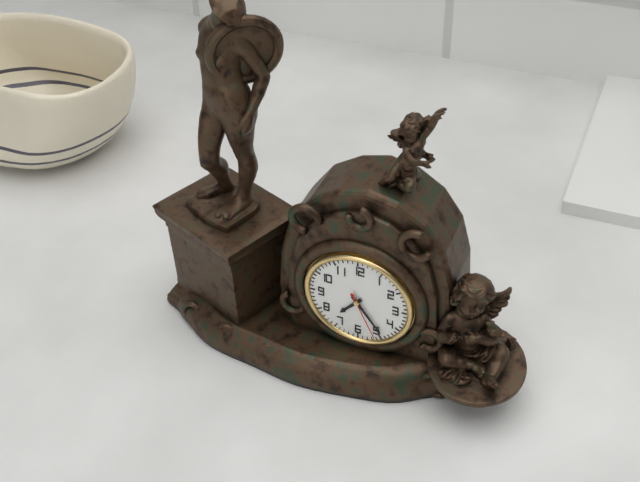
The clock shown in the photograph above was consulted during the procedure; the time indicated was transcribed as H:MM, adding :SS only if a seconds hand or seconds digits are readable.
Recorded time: 7:24:26
